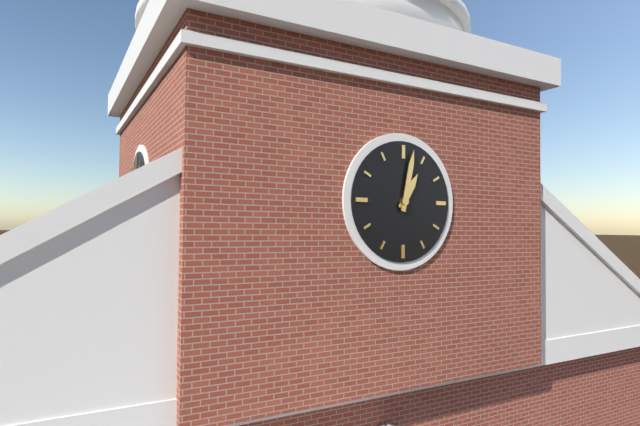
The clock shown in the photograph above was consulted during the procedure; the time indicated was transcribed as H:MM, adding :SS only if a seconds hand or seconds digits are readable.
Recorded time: 1:02
